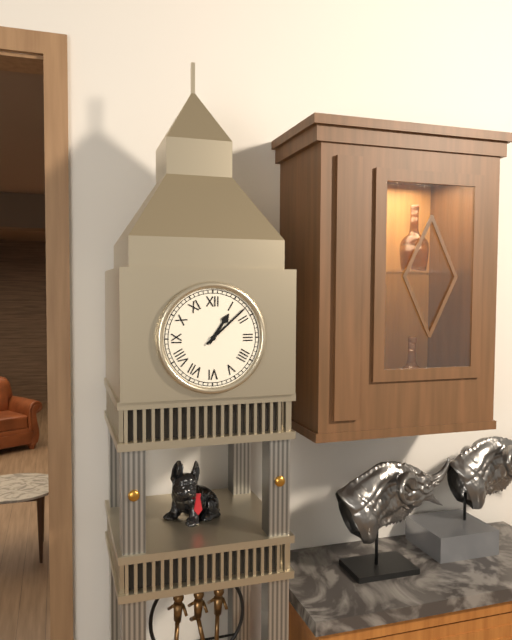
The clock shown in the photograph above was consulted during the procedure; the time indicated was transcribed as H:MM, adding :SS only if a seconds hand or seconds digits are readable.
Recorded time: 1:08
